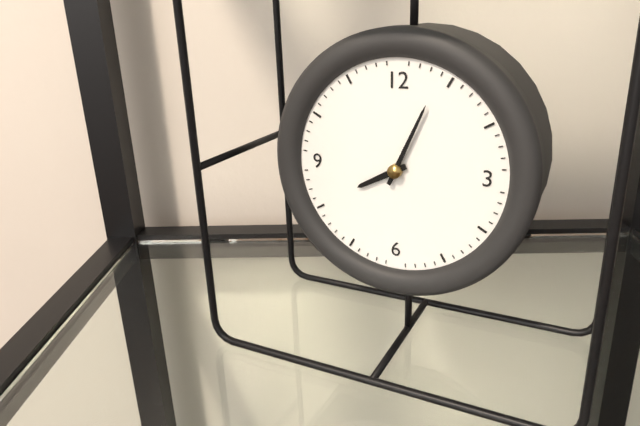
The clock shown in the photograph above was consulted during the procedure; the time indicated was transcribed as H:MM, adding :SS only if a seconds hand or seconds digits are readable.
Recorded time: 8:04
